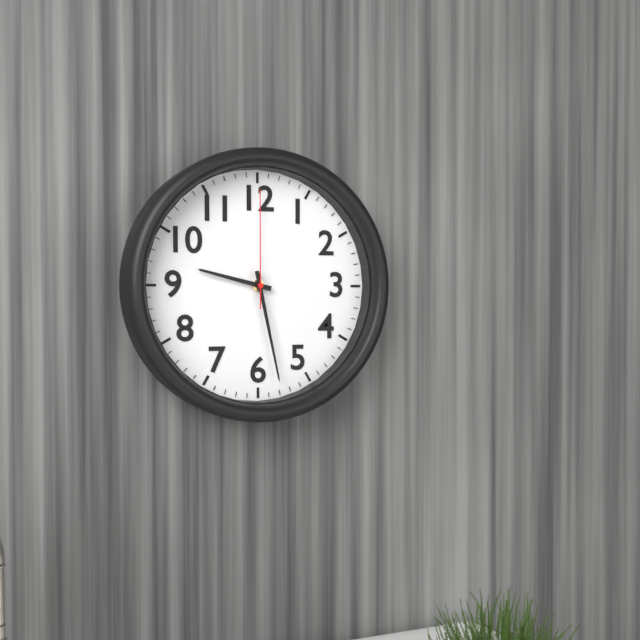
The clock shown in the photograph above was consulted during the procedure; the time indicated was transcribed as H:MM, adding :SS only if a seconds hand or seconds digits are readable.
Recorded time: 9:28:00
